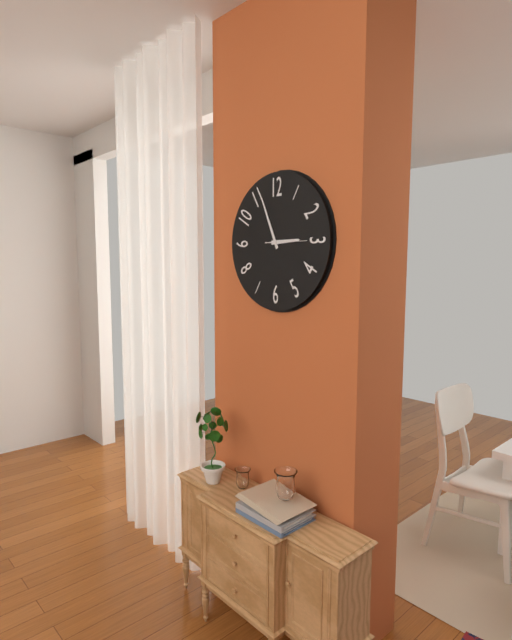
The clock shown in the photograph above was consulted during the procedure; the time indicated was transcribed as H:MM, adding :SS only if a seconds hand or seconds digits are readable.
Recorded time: 2:56
